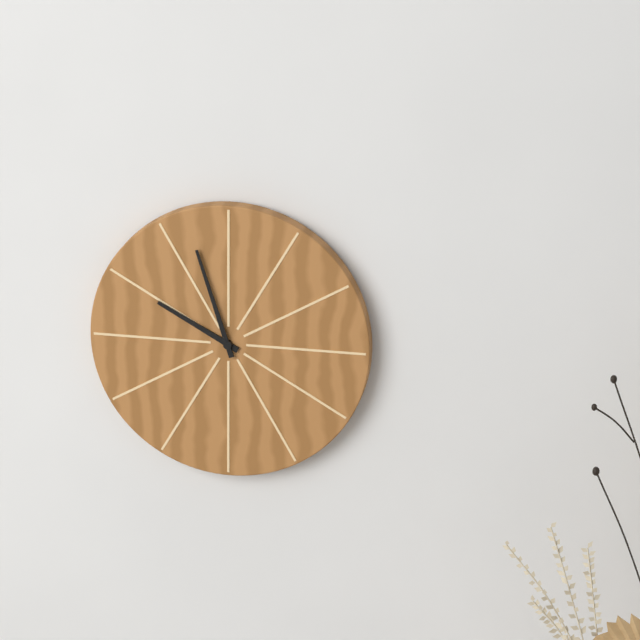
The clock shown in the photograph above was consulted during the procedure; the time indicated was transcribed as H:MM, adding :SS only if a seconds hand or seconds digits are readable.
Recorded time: 9:57
